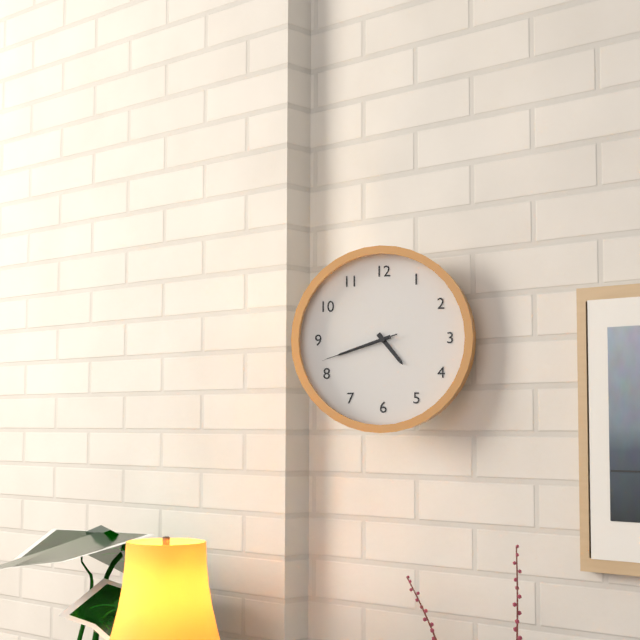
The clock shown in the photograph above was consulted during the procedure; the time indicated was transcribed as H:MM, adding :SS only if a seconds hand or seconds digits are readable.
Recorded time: 4:42:42
